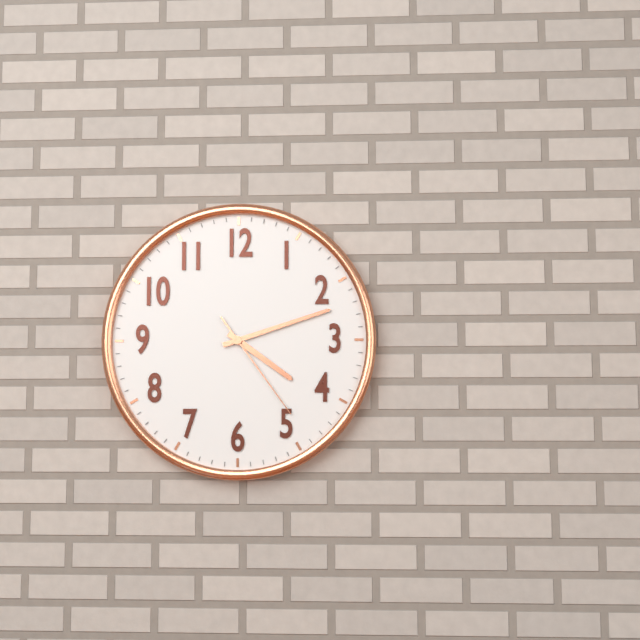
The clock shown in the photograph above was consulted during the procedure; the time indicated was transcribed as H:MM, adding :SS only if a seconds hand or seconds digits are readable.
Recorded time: 4:12:24
